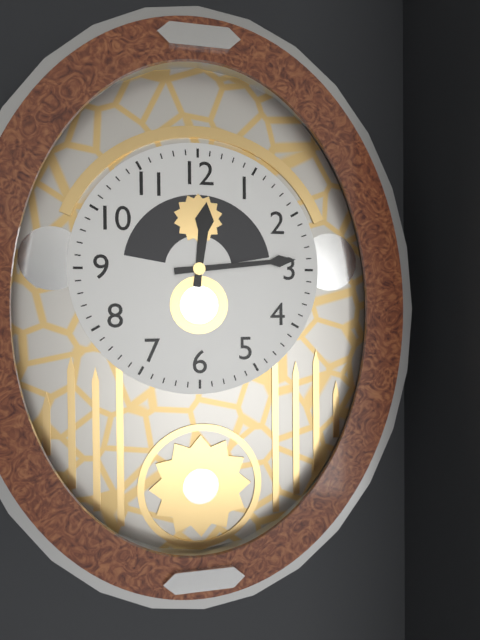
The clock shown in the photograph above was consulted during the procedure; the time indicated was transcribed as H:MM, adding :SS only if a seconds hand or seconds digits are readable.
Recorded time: 12:14
